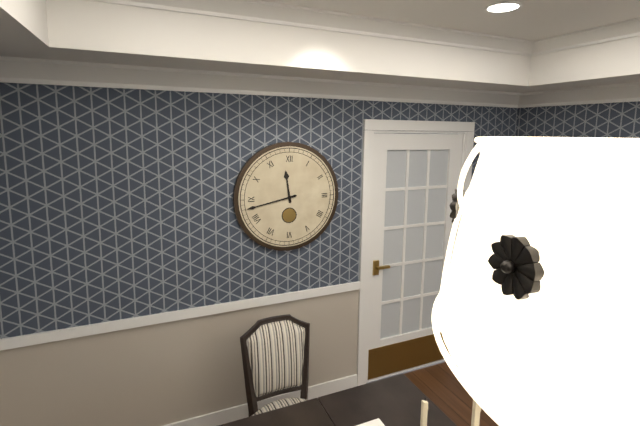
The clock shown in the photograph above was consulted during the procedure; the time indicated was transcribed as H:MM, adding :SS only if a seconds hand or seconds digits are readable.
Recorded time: 11:43
